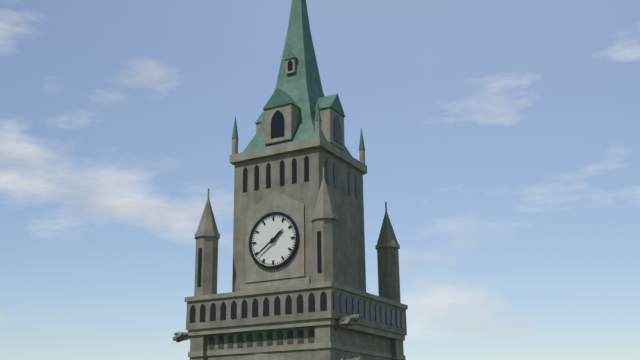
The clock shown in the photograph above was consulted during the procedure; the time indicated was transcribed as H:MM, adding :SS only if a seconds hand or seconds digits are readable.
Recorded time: 1:39
